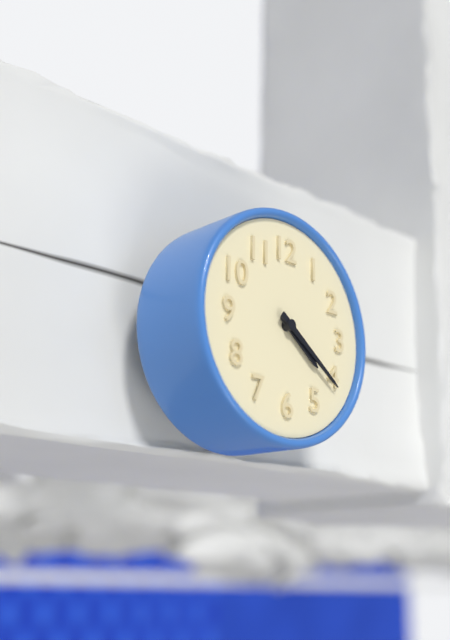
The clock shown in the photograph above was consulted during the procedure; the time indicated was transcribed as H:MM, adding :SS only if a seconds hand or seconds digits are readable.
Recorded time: 4:21
